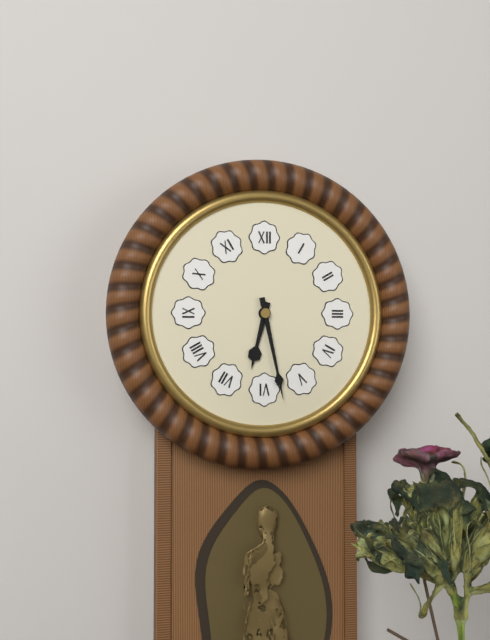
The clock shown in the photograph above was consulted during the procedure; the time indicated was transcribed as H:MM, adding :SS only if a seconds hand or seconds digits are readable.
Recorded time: 6:28
